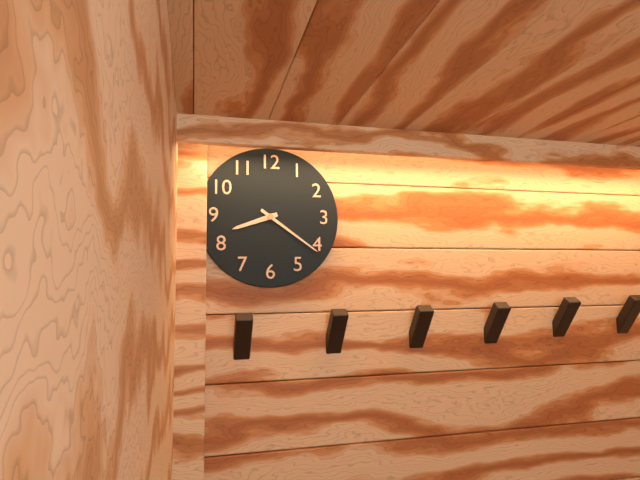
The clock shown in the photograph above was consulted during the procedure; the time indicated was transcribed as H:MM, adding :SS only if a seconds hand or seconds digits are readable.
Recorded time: 8:21
